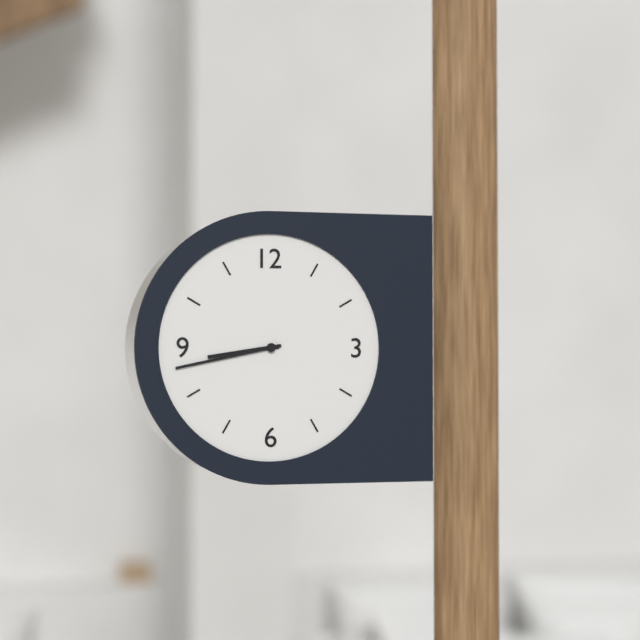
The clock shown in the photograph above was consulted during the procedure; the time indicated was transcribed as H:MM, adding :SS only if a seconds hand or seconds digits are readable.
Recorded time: 8:43
